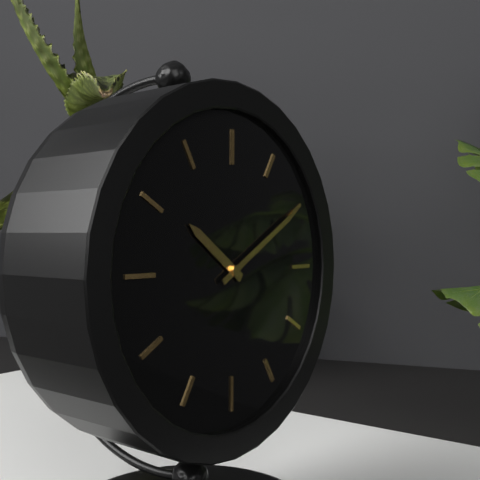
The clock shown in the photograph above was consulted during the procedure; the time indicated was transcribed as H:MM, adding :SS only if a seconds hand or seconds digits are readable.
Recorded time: 10:10
